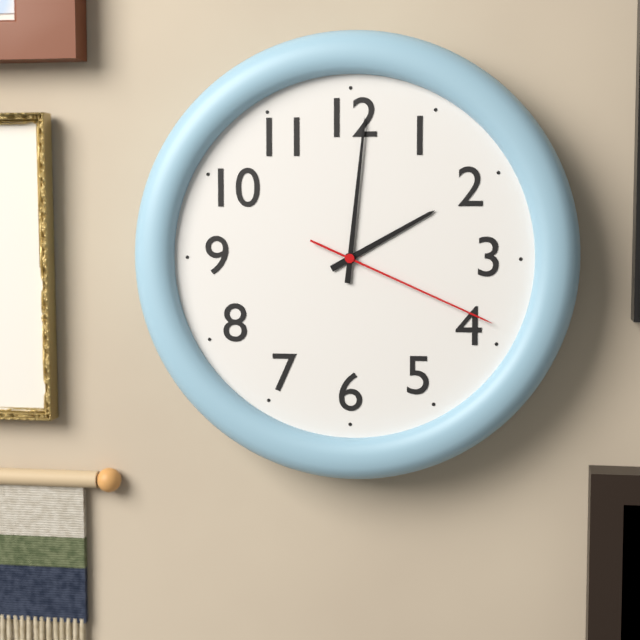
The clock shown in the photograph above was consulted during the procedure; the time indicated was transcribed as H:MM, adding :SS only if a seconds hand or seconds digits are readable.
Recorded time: 2:01:19
